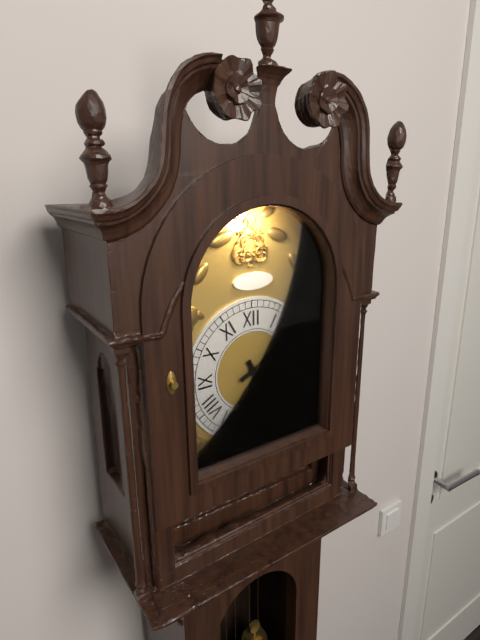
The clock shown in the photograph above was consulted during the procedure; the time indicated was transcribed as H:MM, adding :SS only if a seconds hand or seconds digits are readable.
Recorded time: 5:11
